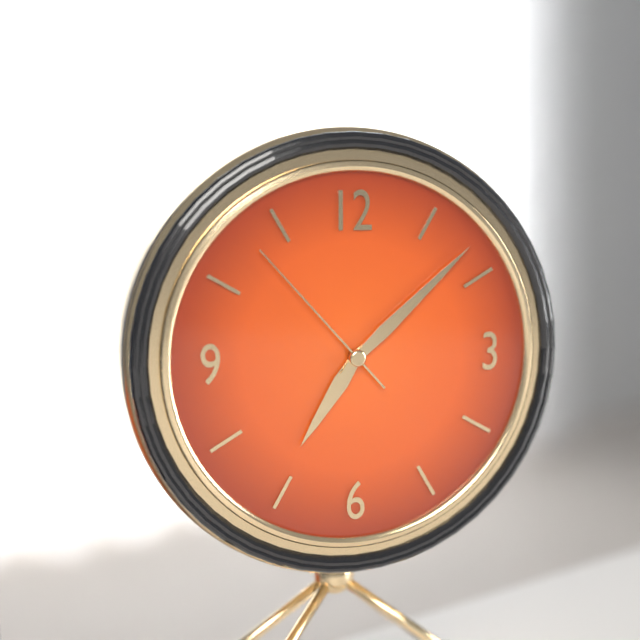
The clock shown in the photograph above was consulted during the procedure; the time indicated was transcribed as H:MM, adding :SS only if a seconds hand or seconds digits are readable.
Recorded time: 7:08:53
